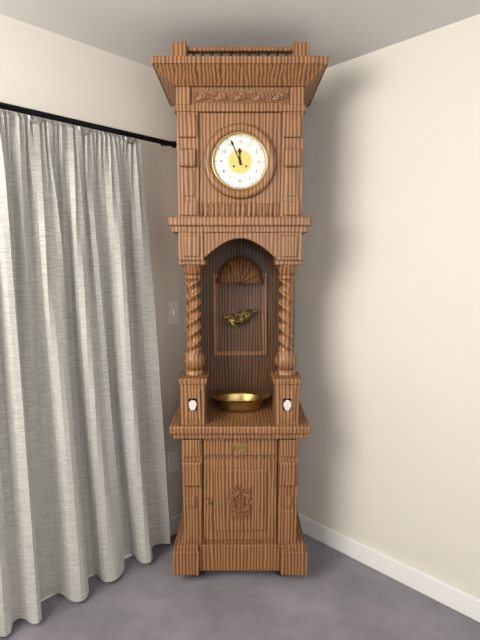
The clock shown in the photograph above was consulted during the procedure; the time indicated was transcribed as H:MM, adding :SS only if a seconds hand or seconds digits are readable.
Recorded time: 11:56
